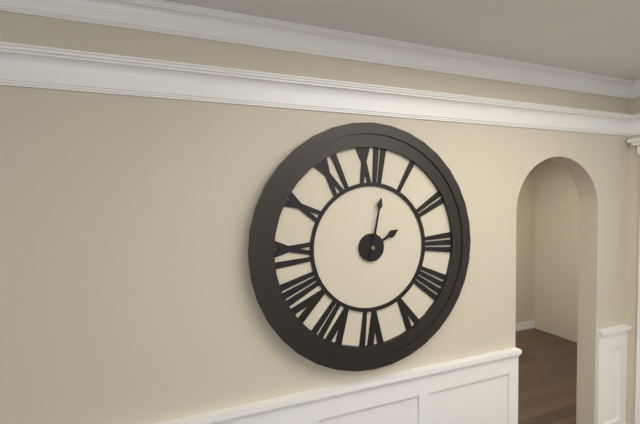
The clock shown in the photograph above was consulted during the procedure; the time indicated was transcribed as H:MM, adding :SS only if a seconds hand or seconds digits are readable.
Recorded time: 2:02
